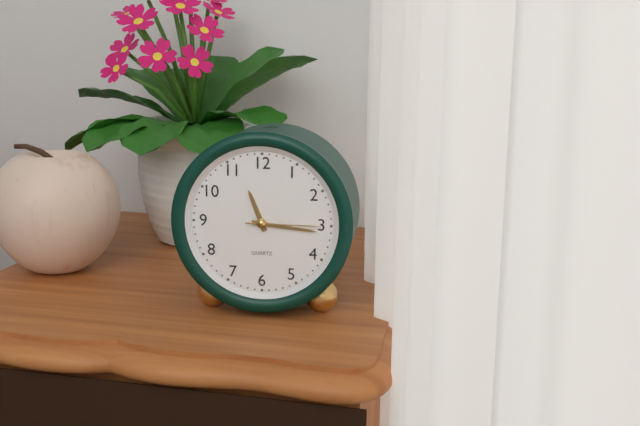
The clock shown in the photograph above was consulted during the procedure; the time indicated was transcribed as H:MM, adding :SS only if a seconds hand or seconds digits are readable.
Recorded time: 11:16:15
